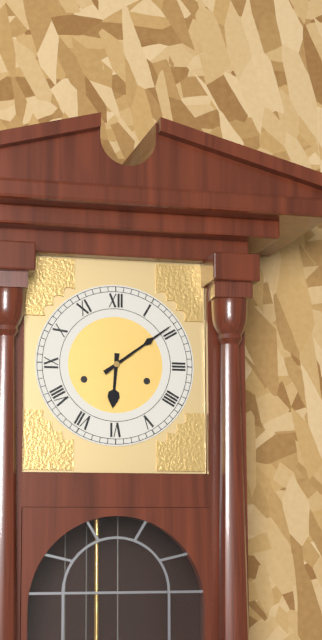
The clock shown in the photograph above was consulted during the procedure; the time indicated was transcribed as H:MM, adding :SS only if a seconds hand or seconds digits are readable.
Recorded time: 6:09
